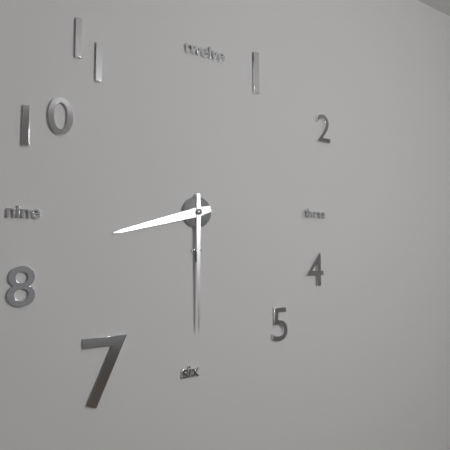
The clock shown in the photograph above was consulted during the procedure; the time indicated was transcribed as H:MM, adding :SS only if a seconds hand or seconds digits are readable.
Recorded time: 8:30
